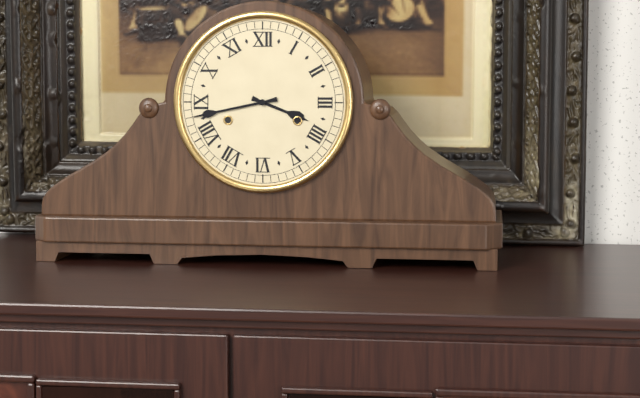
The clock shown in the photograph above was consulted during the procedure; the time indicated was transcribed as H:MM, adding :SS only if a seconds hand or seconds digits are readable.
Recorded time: 3:43
